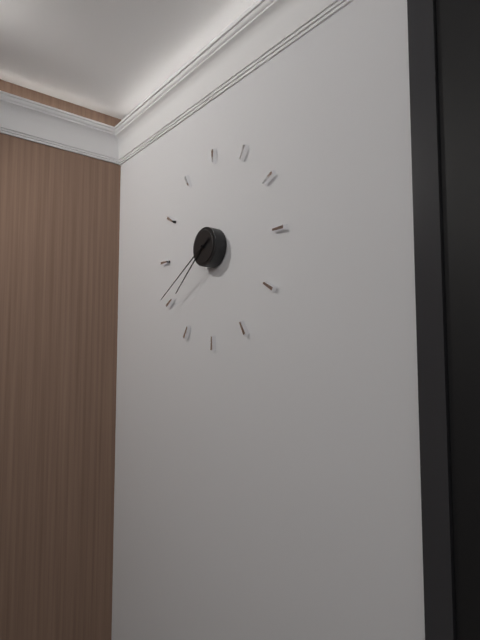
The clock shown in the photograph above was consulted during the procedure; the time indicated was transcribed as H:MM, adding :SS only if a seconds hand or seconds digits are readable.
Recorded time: 7:40
